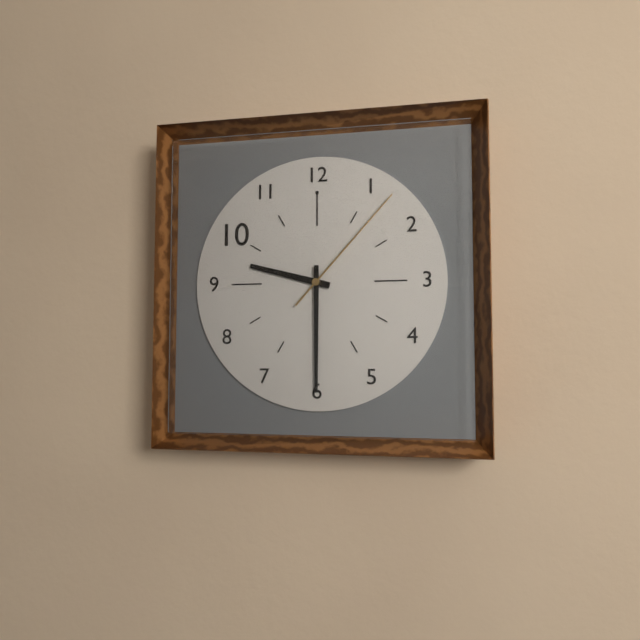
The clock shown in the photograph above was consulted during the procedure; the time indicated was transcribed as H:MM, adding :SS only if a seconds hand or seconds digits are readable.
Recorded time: 9:30:07
